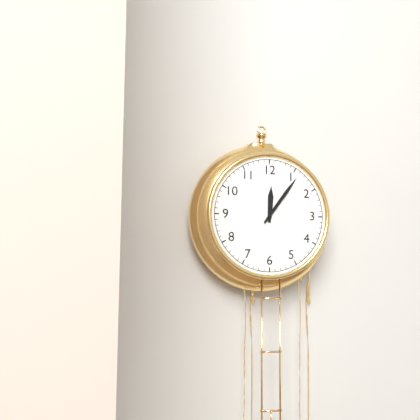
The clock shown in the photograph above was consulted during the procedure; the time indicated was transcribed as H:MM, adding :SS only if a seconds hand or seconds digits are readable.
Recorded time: 12:06
